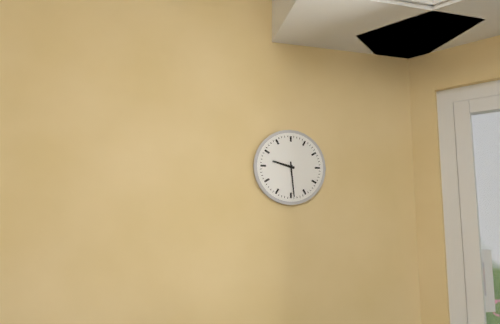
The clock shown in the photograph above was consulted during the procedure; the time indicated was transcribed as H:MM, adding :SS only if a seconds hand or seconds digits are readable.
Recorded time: 9:29
